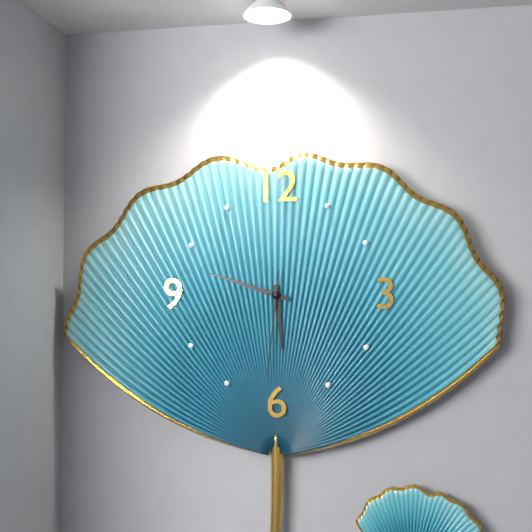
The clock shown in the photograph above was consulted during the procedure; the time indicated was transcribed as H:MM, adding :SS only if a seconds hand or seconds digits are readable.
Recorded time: 5:48:31
